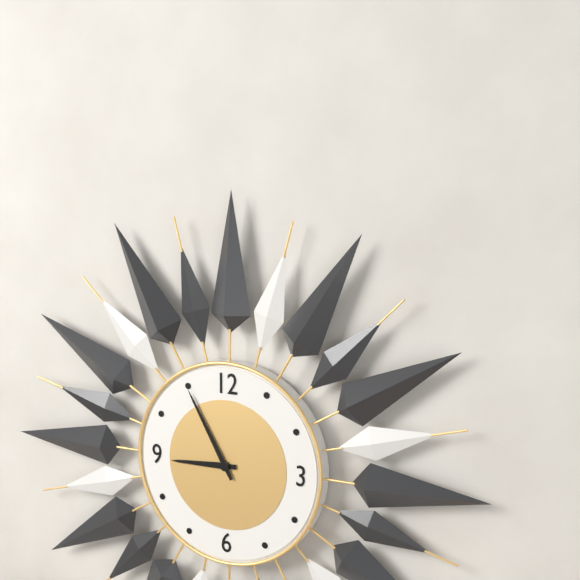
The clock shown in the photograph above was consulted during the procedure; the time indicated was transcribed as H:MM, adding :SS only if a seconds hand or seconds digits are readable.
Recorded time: 8:55
